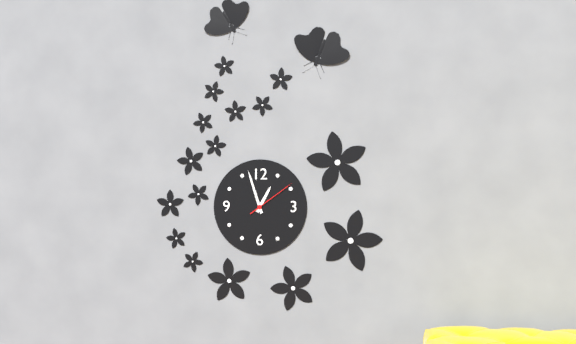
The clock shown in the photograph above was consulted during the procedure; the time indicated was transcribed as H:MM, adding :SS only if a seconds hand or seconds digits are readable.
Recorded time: 12:57:09
